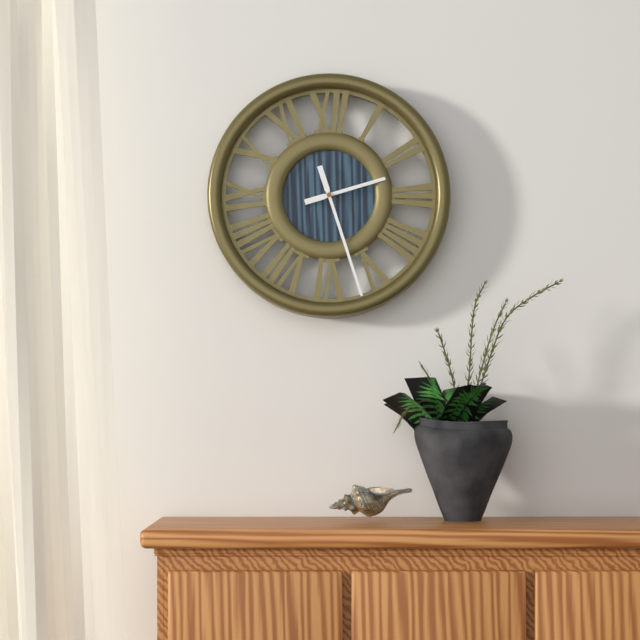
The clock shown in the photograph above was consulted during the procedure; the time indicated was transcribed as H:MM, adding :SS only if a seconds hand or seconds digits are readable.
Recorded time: 2:27
